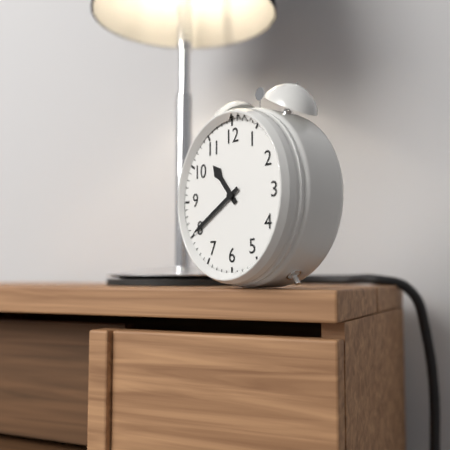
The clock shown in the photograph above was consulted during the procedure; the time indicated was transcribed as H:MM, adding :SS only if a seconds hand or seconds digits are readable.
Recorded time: 10:40
